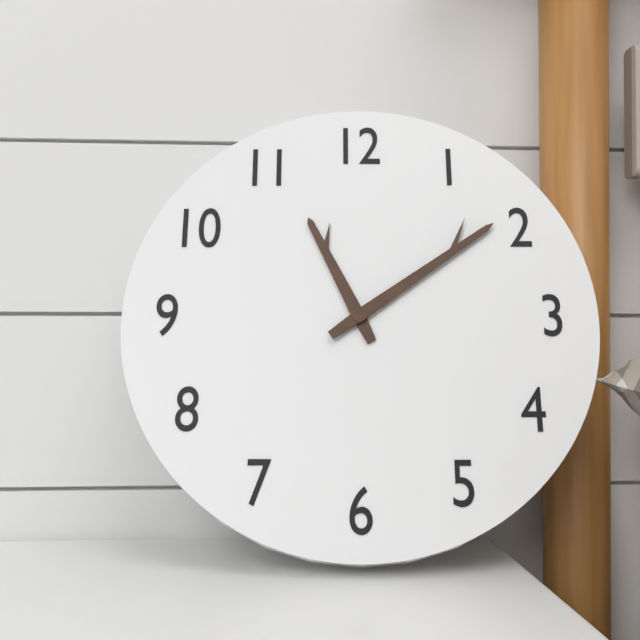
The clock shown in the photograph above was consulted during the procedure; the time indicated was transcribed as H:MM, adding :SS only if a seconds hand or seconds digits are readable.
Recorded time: 11:09
